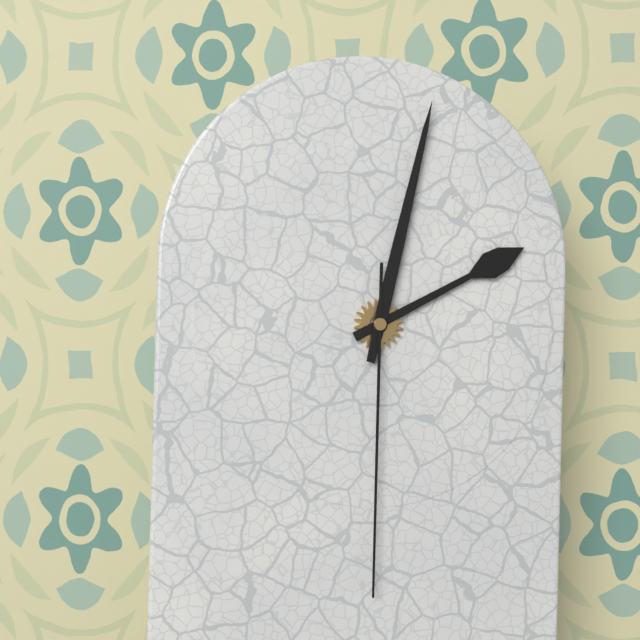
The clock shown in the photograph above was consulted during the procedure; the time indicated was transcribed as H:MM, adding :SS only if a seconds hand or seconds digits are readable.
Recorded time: 2:02:30
